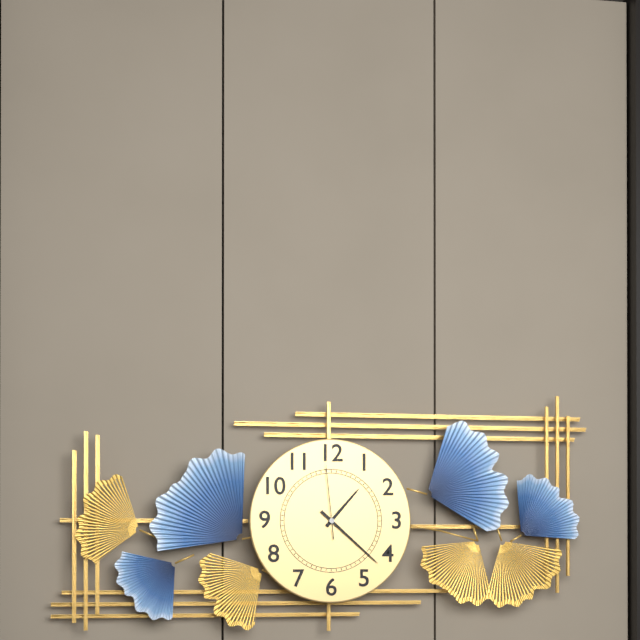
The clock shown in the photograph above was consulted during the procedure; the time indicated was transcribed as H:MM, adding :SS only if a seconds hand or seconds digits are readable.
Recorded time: 1:22:59
